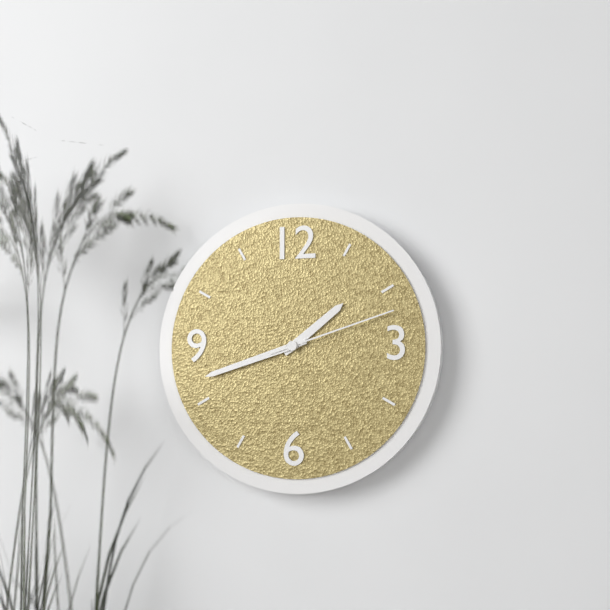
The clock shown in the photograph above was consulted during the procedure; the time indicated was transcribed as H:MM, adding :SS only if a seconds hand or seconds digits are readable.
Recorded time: 1:42:12
